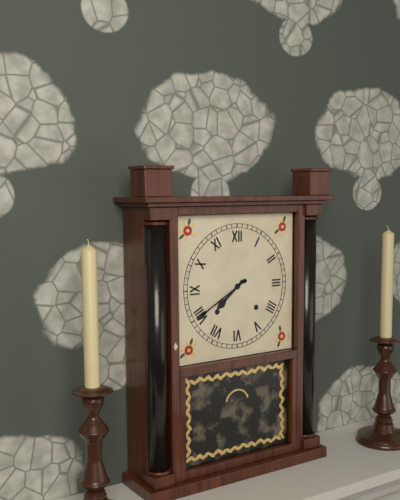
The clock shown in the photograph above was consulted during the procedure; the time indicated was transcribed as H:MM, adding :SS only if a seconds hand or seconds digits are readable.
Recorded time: 7:40
